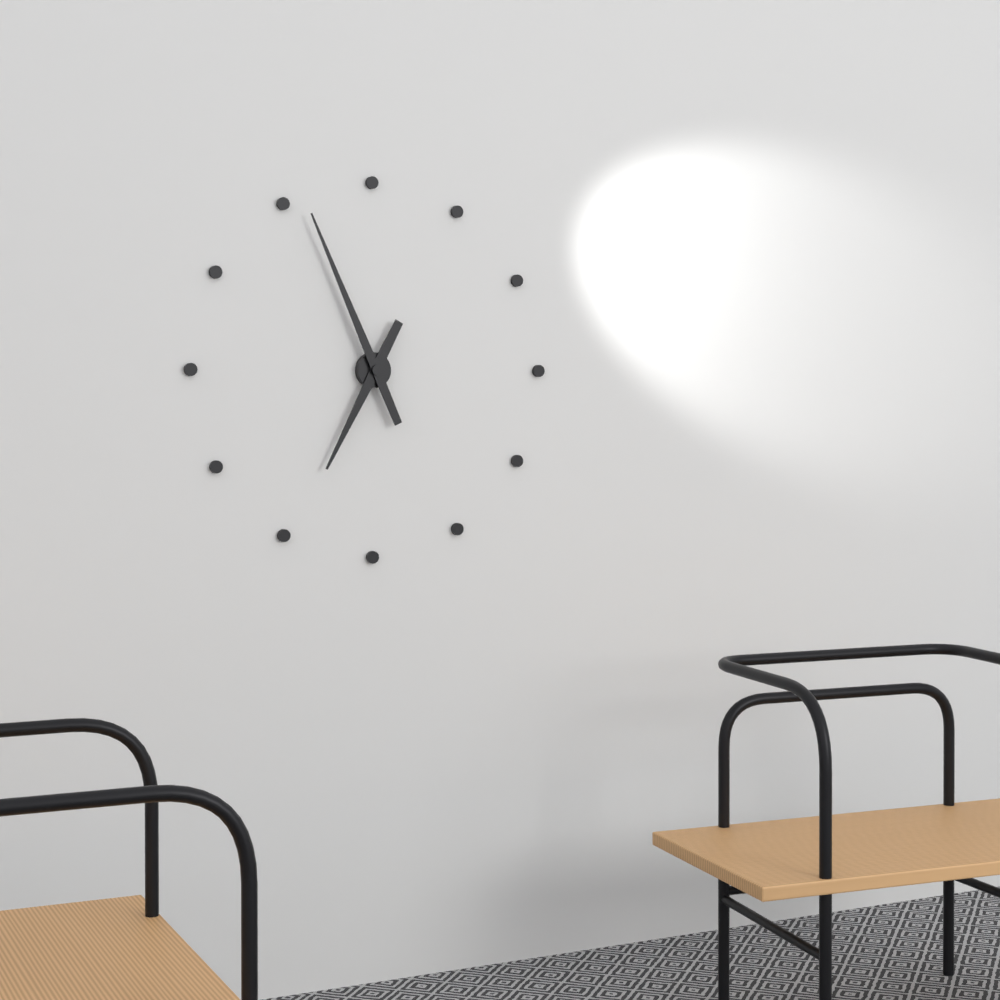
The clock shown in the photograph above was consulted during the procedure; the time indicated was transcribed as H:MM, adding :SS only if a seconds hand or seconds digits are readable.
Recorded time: 6:56
